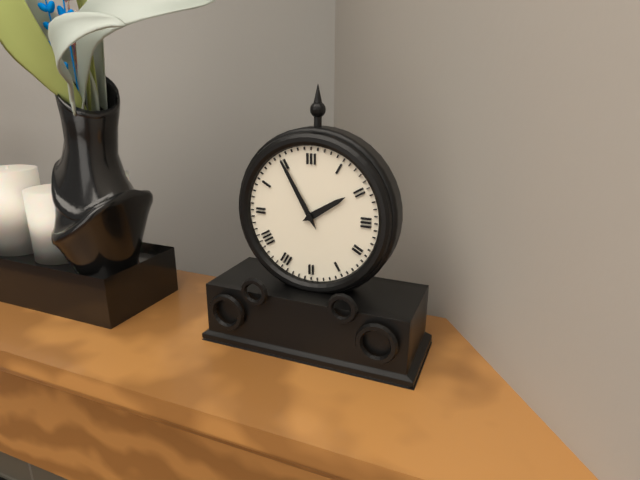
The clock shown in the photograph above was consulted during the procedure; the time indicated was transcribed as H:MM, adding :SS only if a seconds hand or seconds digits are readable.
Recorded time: 1:55
